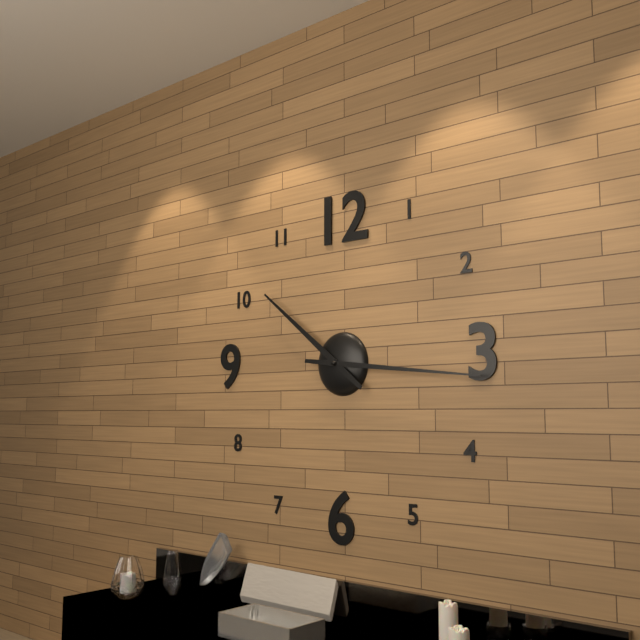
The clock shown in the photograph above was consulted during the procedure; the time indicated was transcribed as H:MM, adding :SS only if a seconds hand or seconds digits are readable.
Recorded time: 10:16
